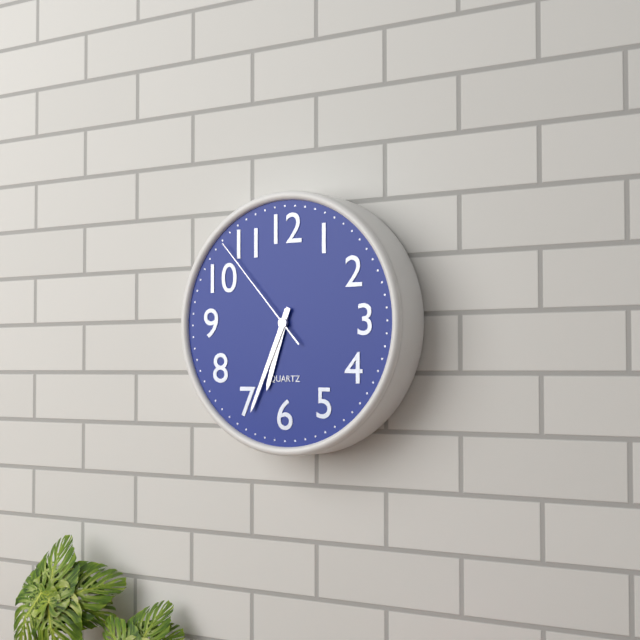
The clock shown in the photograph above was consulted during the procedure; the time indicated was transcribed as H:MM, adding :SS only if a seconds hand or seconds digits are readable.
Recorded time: 6:34:53
